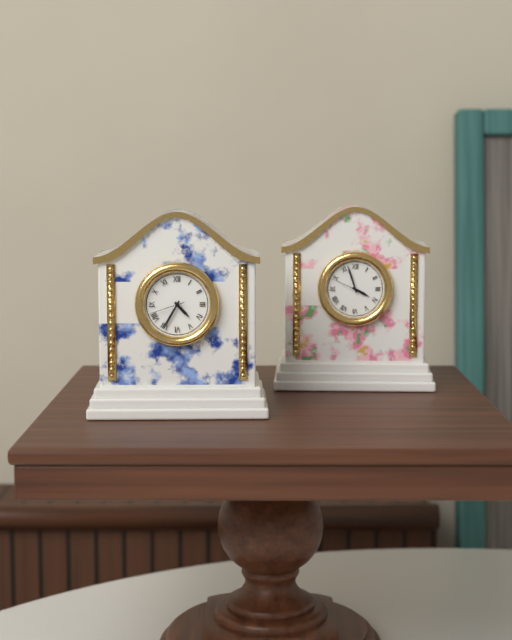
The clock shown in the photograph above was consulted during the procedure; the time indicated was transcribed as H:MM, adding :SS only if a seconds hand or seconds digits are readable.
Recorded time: 4:35
